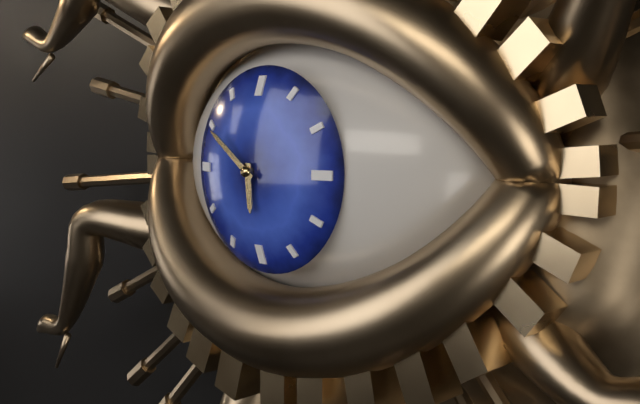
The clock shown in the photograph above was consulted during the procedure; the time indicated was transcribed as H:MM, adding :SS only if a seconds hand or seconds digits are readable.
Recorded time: 5:51
